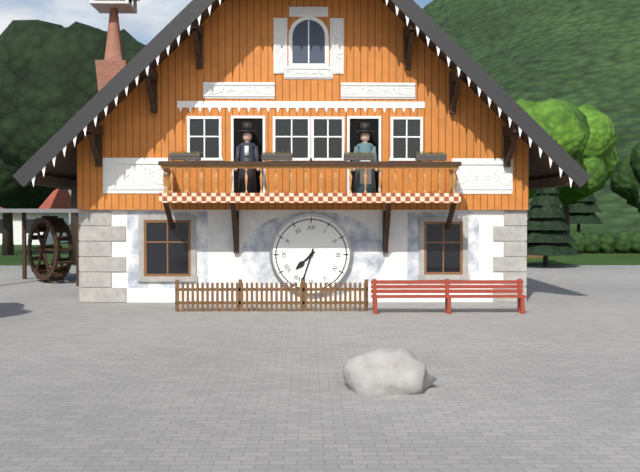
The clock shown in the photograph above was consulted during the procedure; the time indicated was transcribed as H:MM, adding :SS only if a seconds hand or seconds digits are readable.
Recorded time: 7:33
